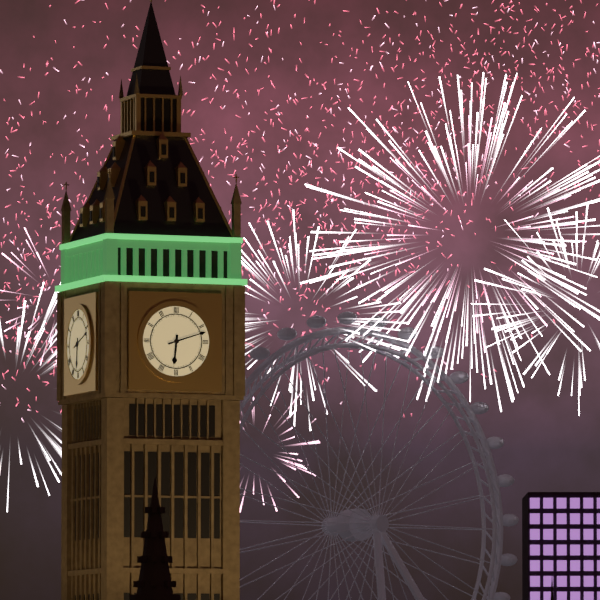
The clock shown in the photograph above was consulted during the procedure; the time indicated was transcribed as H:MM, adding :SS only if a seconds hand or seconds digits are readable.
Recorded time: 6:12
